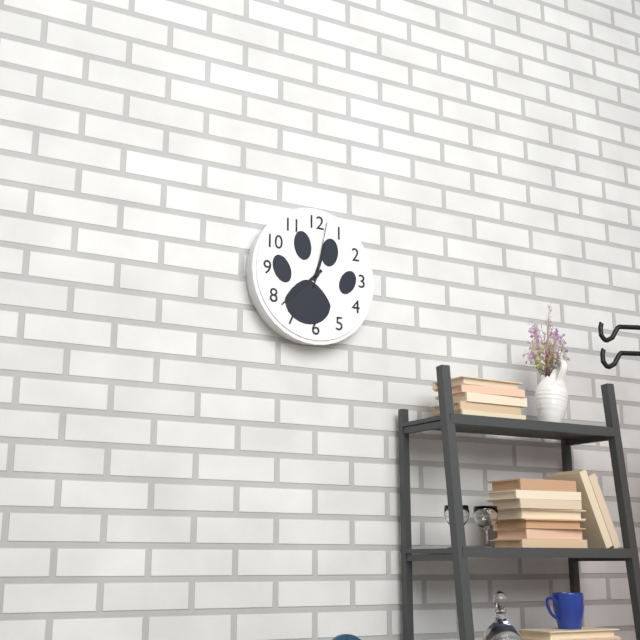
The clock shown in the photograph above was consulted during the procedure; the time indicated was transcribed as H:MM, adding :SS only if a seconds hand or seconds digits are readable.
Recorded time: 12:38:02
